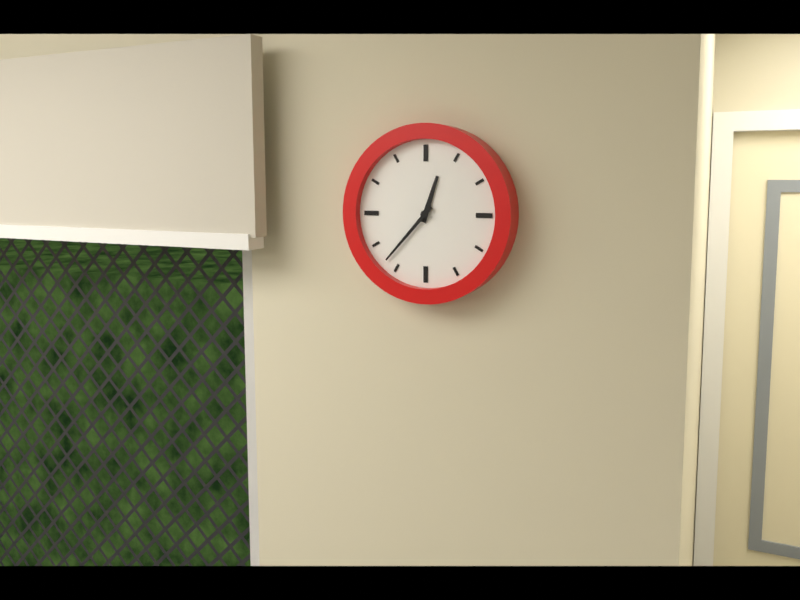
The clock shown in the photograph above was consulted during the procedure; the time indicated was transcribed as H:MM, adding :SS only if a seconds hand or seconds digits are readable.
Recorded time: 12:37
